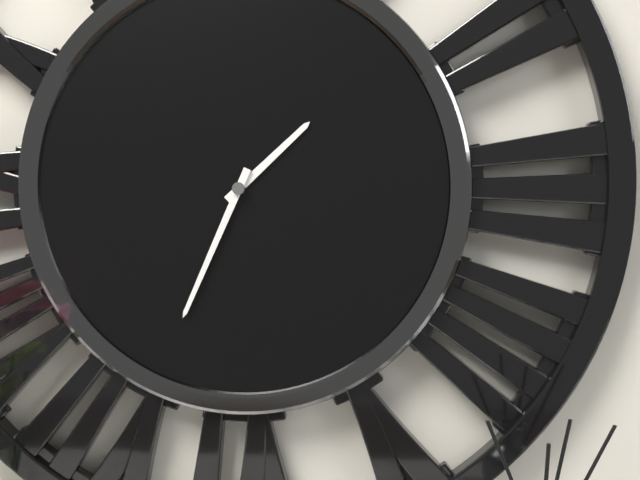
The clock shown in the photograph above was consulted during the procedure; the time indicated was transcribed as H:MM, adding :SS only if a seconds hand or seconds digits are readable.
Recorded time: 1:34
